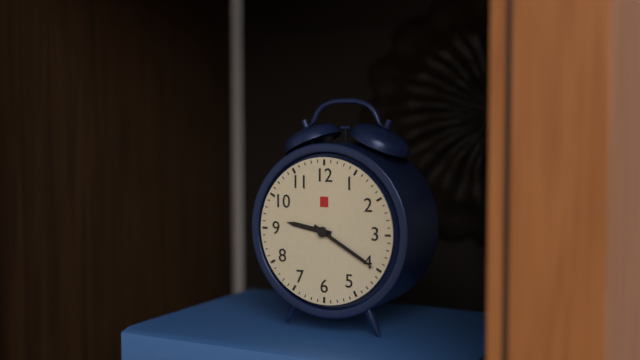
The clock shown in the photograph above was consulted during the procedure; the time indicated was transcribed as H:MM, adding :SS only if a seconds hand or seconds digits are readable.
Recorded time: 9:20
